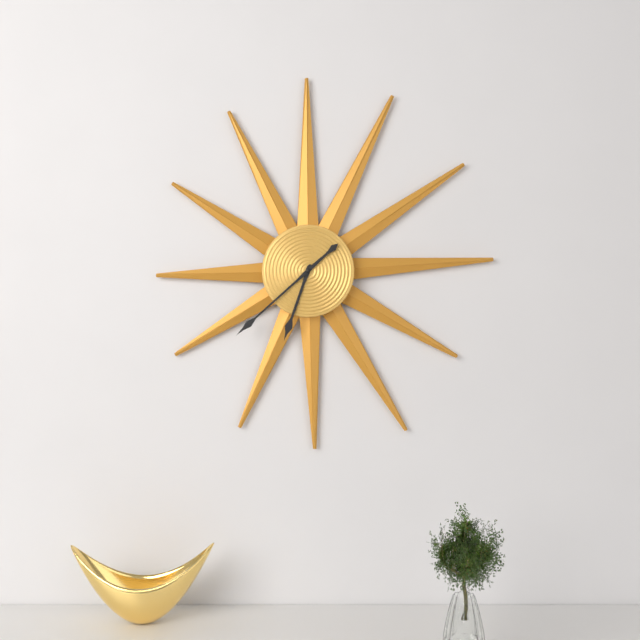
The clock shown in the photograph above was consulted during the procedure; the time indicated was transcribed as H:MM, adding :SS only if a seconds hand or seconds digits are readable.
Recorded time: 6:38
